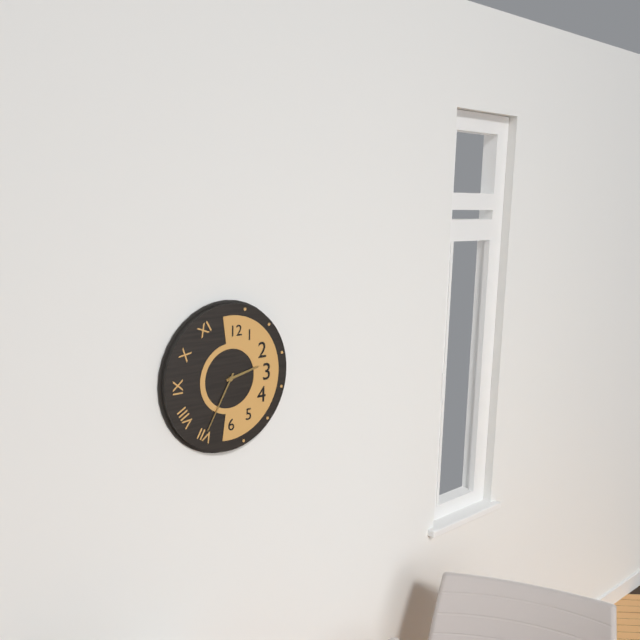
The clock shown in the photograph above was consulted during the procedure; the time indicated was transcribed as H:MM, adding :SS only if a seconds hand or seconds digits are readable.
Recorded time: 2:35
